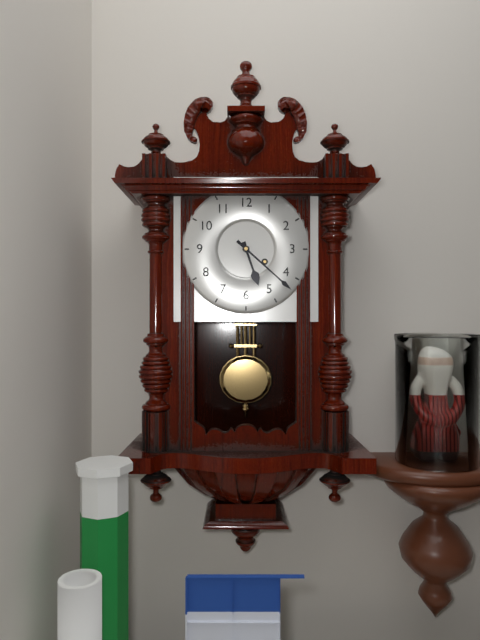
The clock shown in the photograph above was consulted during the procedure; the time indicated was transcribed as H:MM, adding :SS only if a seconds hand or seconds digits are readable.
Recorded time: 5:22
